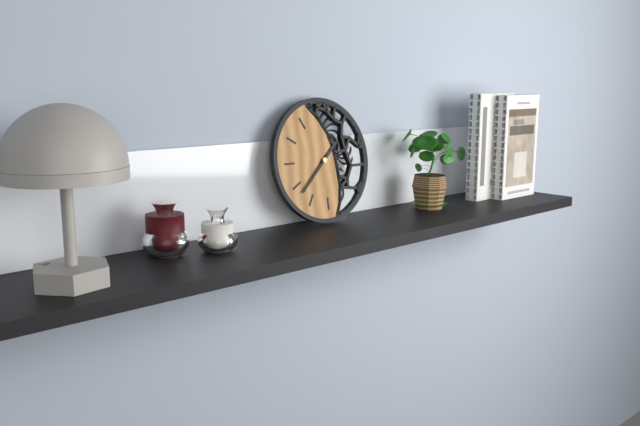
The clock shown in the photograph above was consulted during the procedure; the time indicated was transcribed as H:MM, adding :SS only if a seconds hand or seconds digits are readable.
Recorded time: 1:38
